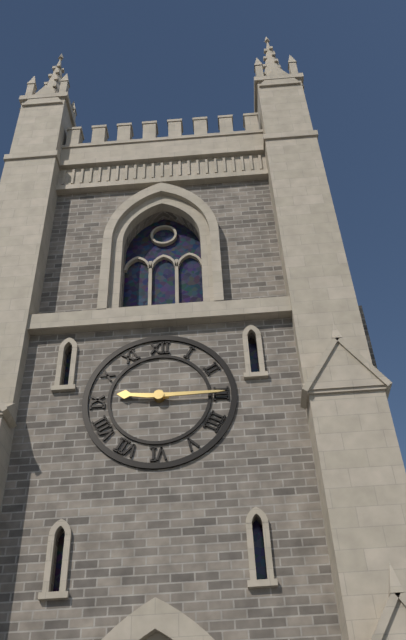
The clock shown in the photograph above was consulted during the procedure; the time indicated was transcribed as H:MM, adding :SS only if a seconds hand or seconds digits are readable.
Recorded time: 9:15
